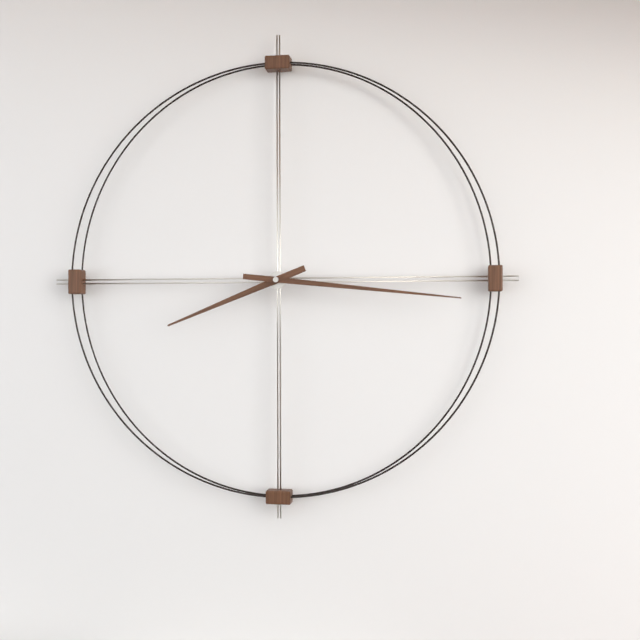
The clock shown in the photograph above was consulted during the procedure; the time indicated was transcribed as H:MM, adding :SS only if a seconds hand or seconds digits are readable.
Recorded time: 8:16
